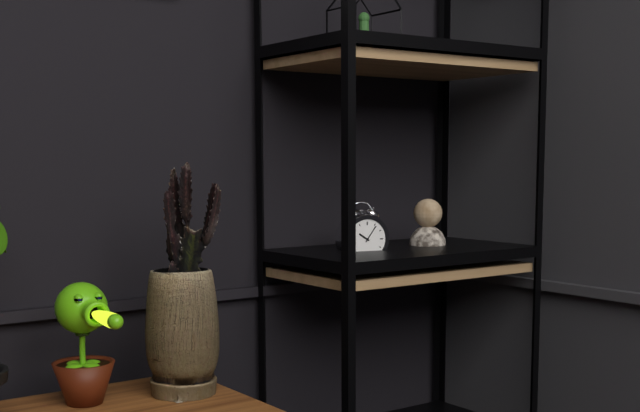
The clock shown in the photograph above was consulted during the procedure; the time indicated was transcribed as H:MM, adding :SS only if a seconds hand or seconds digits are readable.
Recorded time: 10:06
